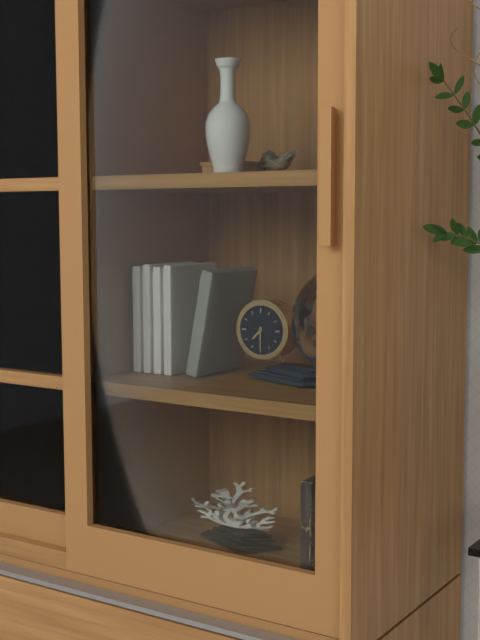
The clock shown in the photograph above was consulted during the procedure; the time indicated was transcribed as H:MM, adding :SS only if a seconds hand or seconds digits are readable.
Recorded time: 7:30
